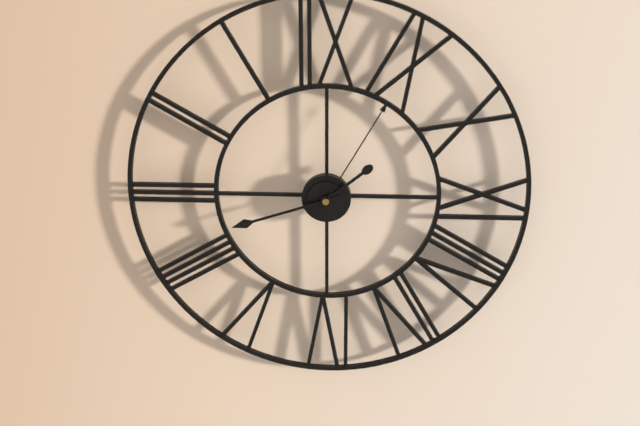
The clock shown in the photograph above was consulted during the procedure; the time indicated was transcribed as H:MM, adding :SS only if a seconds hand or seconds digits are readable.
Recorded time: 1:42:05
